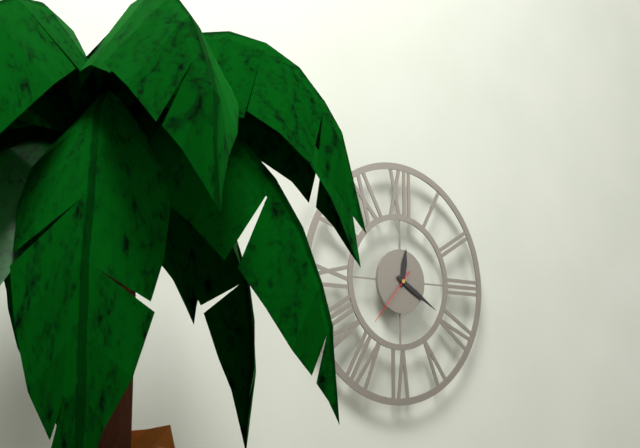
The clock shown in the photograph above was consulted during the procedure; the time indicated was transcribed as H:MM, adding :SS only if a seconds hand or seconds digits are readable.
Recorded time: 12:20:37
